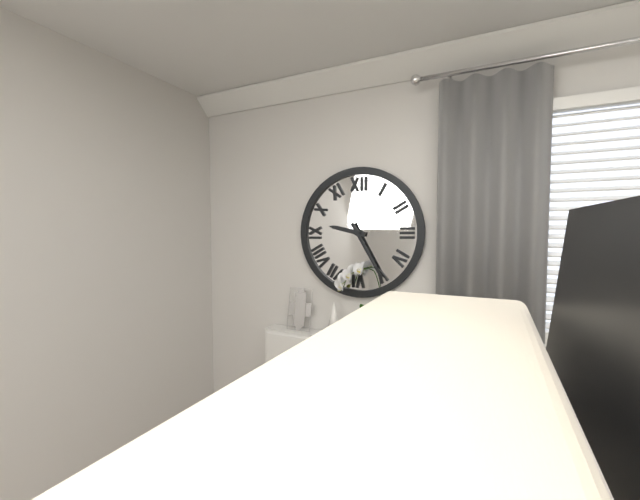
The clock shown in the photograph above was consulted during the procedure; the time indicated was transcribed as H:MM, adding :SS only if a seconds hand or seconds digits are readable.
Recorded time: 9:25
